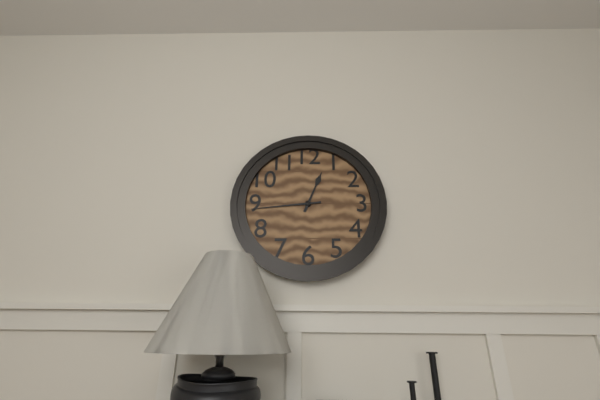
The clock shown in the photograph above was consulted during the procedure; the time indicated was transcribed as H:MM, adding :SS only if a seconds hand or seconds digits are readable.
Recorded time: 12:44
